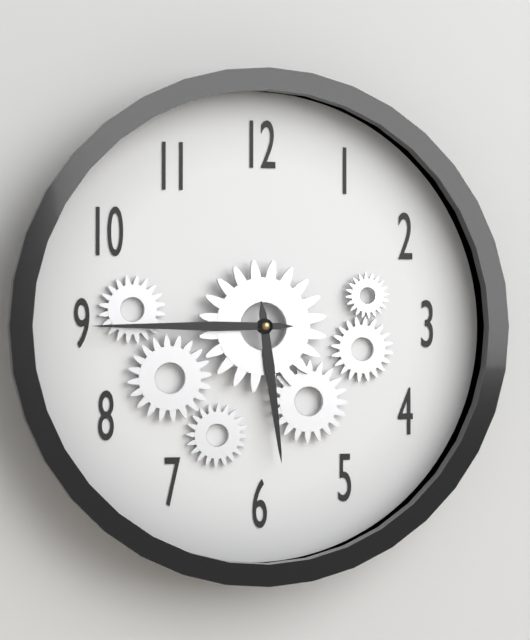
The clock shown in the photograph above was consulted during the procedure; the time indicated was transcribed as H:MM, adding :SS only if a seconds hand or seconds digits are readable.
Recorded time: 5:45
